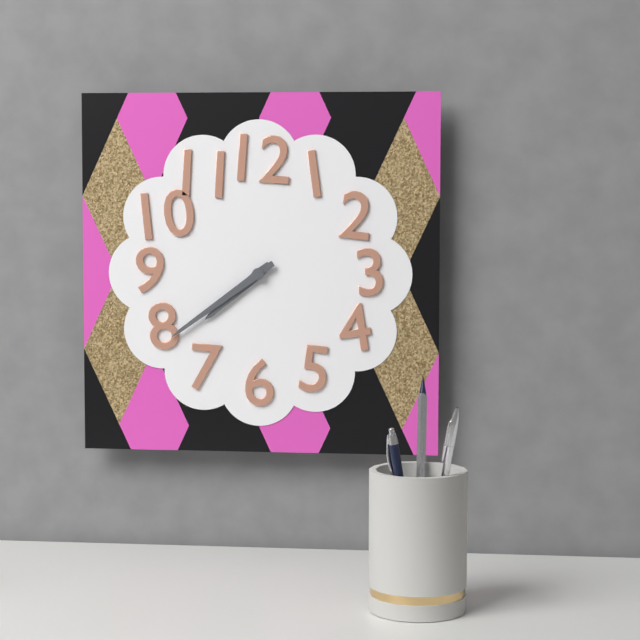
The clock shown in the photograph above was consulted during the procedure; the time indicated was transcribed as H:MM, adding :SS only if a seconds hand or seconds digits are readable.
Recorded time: 7:39
